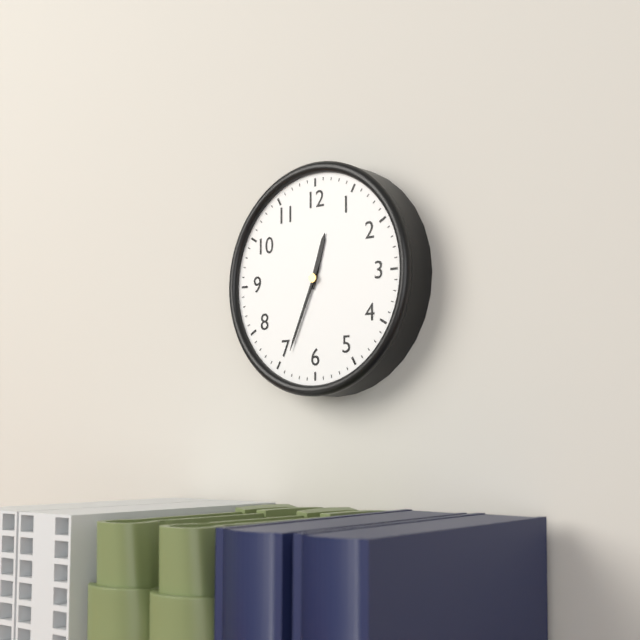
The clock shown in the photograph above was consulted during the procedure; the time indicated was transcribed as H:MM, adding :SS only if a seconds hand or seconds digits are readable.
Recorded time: 12:34
